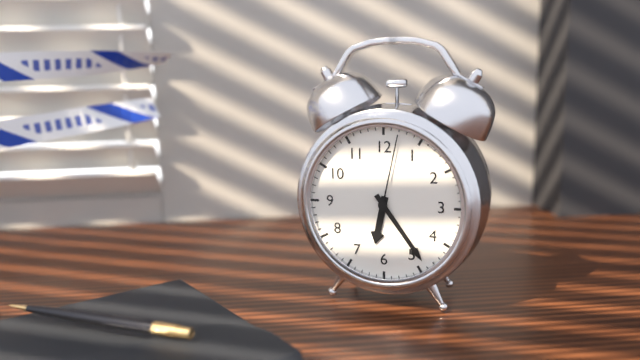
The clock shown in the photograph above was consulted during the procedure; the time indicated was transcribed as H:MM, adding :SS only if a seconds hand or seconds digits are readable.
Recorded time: 6:24:02
